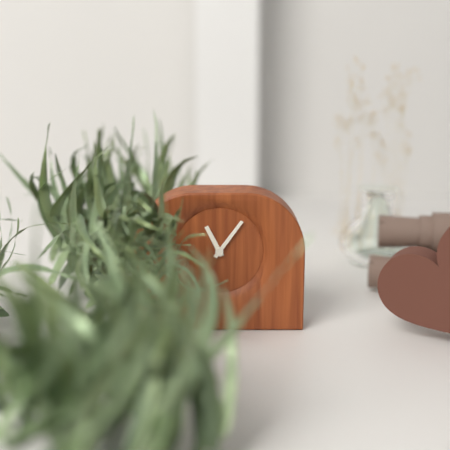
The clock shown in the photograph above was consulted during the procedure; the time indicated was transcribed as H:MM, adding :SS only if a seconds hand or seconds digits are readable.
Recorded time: 11:06
